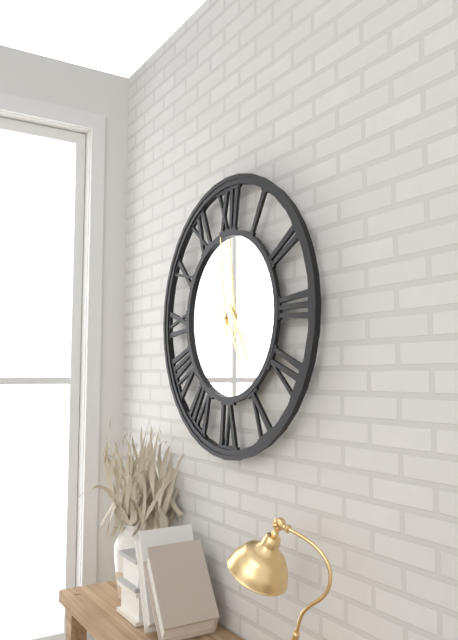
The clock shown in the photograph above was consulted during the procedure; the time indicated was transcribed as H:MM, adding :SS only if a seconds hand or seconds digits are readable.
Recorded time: 4:59
